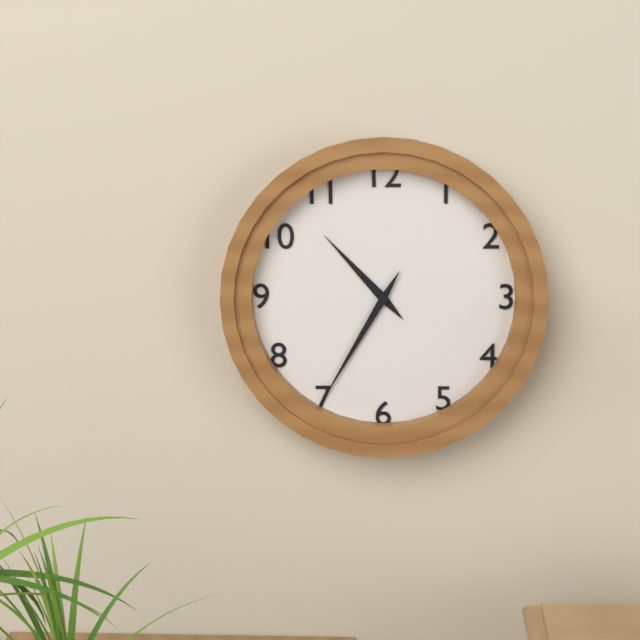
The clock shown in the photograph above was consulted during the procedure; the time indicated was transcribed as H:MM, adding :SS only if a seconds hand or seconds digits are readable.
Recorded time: 10:35
